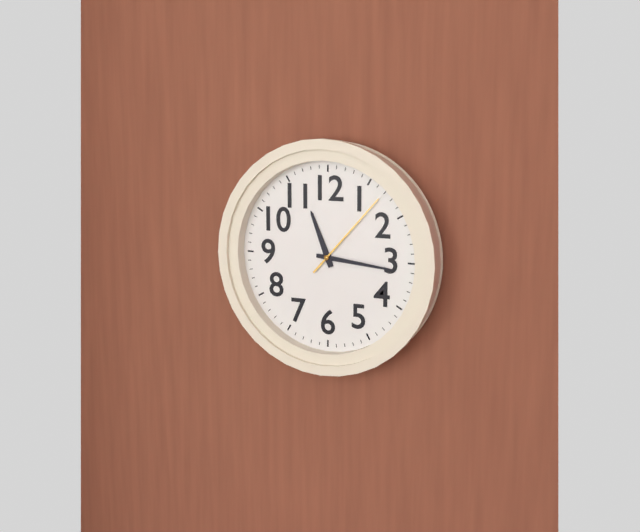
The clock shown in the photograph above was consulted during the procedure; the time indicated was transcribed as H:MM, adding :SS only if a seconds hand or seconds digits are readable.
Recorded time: 11:16:07
